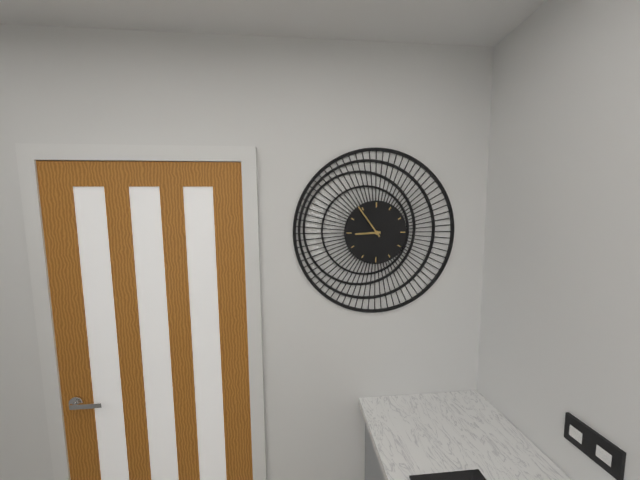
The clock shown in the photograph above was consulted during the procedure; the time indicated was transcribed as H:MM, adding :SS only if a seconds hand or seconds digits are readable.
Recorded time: 8:54
